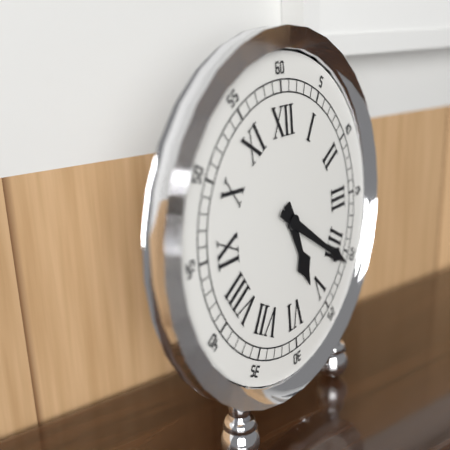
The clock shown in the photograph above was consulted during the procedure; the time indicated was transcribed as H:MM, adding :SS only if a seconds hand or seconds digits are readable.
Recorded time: 5:21
